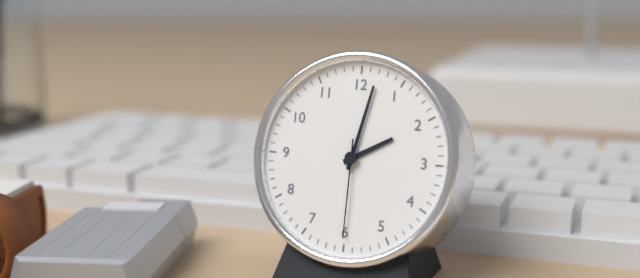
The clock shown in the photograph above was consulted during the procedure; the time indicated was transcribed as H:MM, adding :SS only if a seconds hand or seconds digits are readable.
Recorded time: 2:02:30
